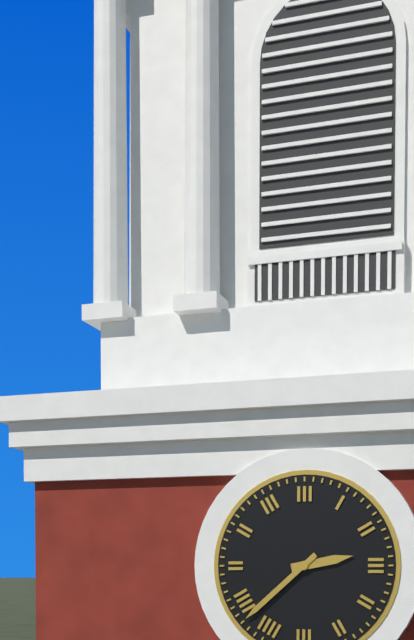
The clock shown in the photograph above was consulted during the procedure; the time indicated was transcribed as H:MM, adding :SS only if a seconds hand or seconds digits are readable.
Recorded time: 2:38
